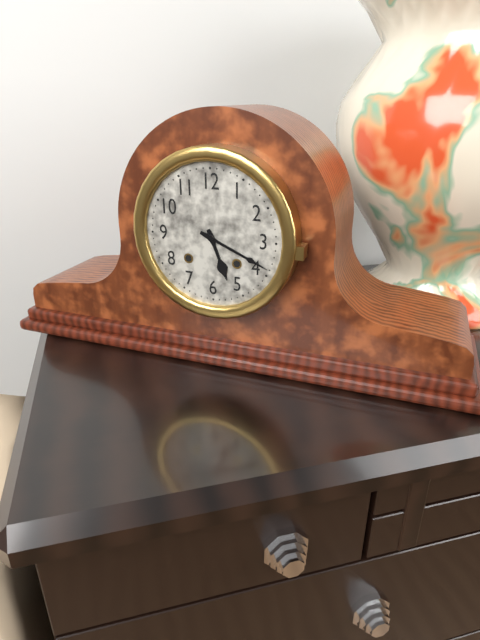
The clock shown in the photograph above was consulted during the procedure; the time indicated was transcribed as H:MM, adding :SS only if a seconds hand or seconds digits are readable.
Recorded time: 5:19
